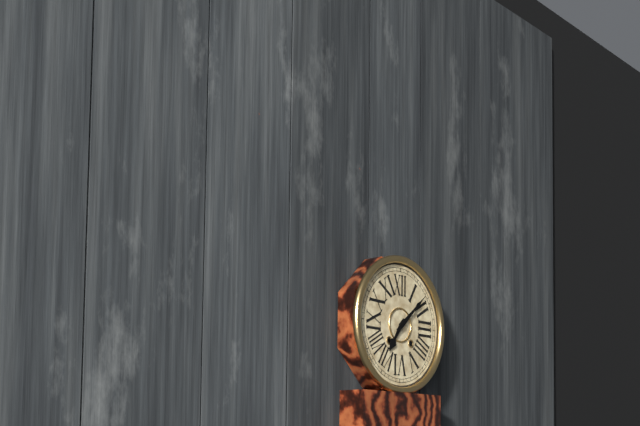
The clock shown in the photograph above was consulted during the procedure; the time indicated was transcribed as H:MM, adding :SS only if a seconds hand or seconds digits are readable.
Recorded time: 7:08
